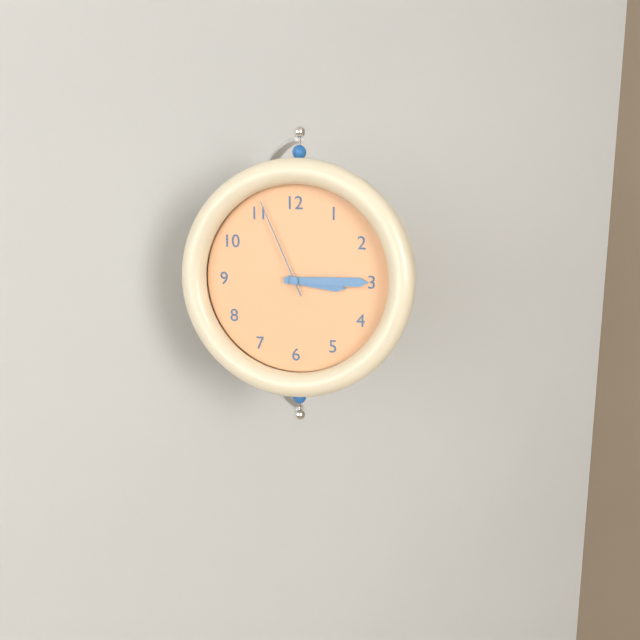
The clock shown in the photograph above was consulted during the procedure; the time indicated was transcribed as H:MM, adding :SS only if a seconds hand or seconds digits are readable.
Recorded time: 3:15:56
